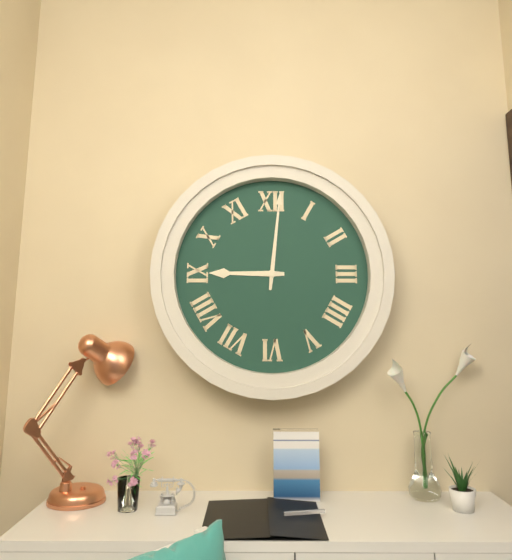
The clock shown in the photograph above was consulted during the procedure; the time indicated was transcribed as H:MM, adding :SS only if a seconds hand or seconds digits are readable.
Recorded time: 9:01
